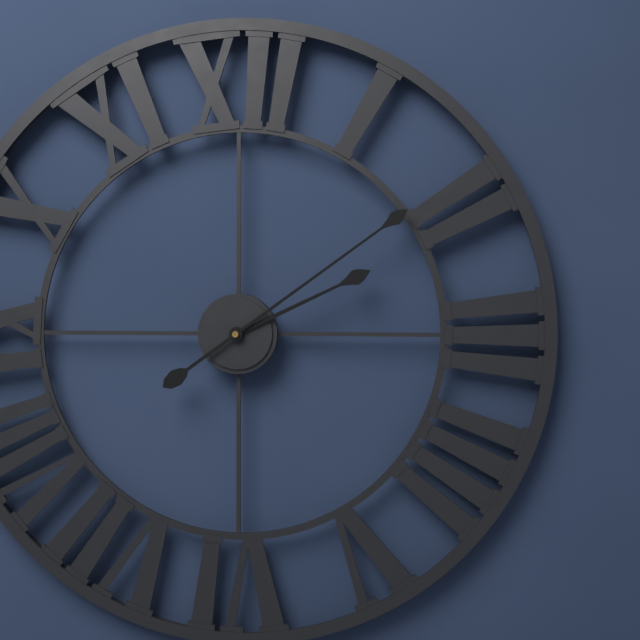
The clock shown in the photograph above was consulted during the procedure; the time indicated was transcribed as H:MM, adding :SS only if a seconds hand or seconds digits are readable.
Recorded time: 2:09
